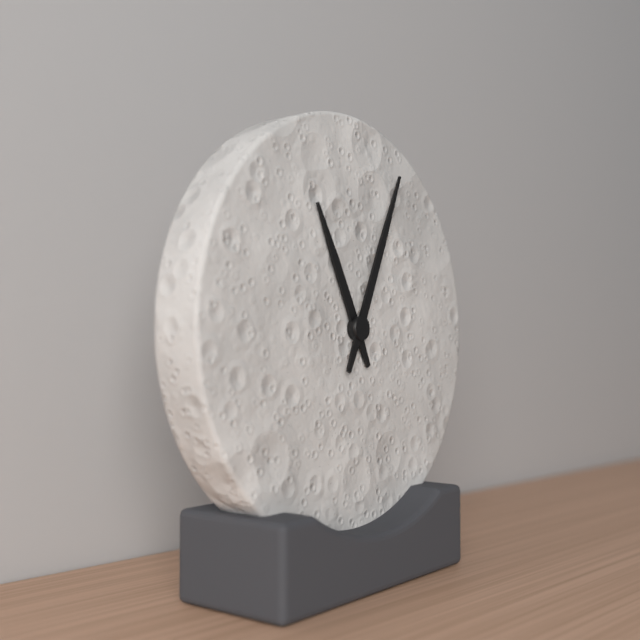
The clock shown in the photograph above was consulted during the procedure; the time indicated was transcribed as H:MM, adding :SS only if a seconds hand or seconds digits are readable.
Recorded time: 11:04
